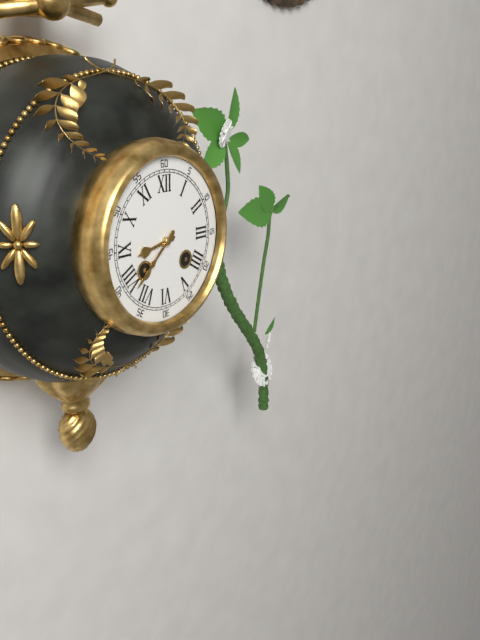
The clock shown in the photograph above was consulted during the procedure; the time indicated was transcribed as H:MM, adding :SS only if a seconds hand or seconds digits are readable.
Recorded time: 8:38
